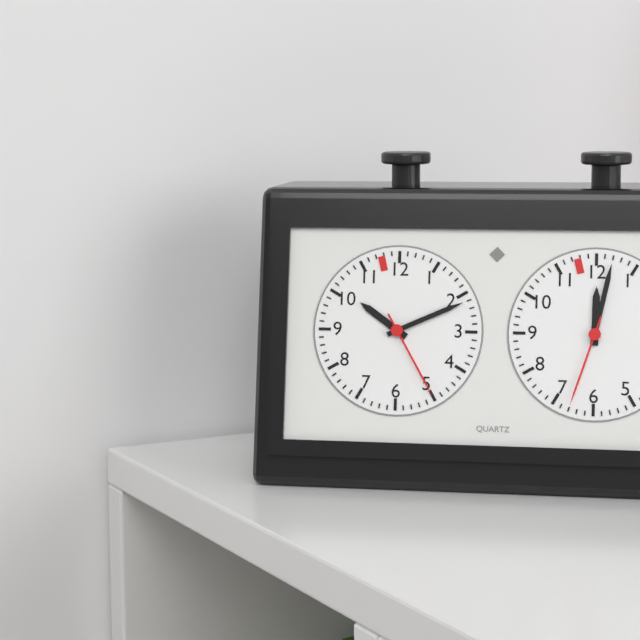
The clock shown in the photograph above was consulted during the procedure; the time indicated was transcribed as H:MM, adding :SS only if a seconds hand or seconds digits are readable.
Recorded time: 10:11:25
